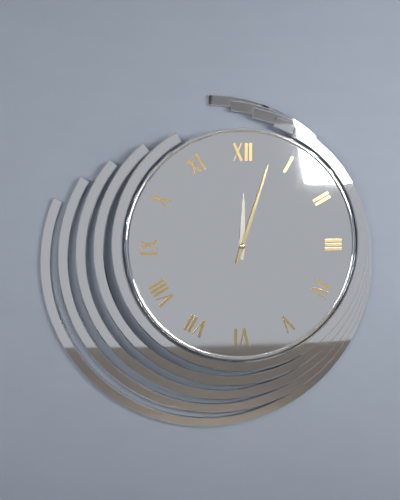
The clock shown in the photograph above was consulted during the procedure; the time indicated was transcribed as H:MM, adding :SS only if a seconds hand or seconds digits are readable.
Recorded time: 12:03
